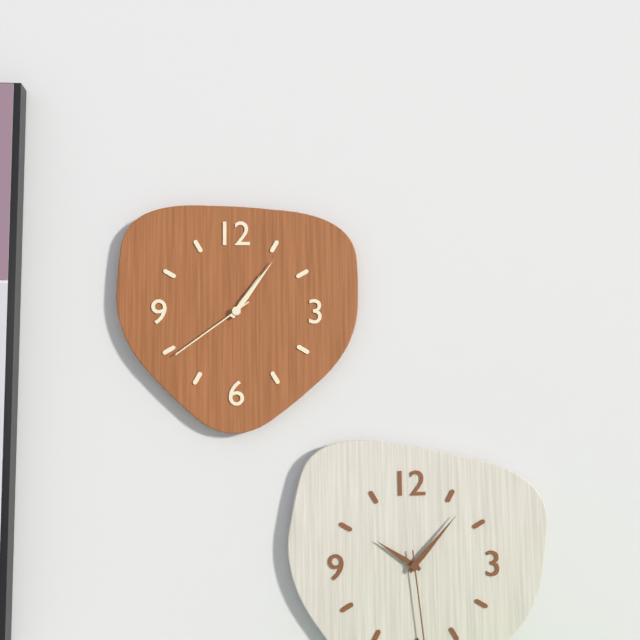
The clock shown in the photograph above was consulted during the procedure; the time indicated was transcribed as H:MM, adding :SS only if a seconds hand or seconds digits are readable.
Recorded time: 1:06:39
